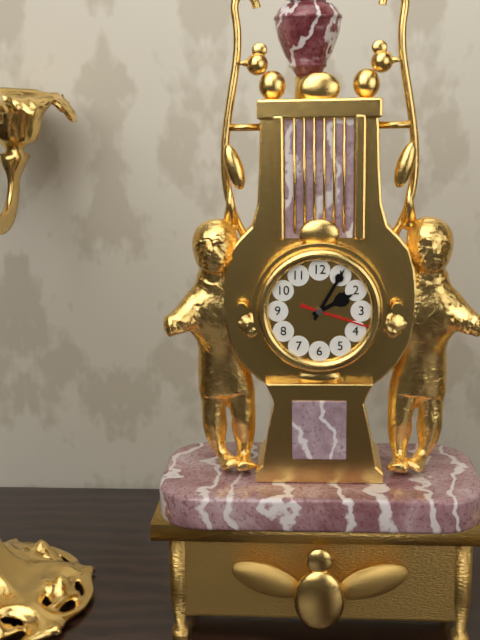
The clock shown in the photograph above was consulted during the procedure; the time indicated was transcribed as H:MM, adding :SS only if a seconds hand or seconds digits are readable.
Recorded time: 2:05:18
